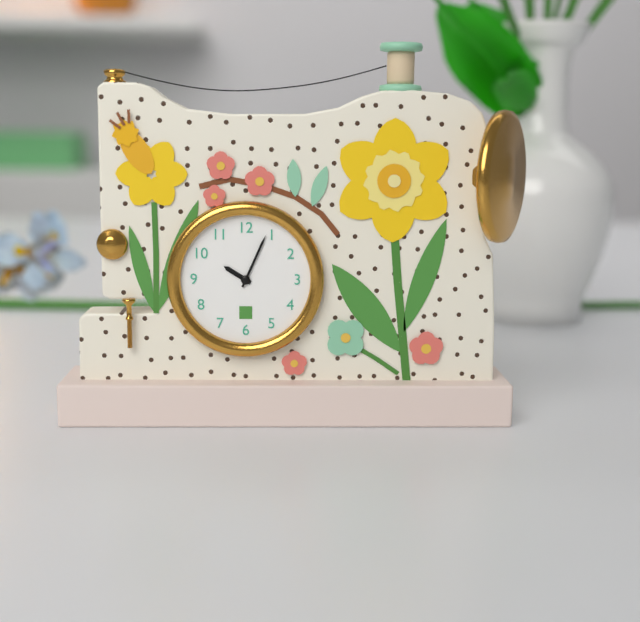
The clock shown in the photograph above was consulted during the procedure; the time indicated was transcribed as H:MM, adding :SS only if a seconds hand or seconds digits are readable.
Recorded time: 10:04
